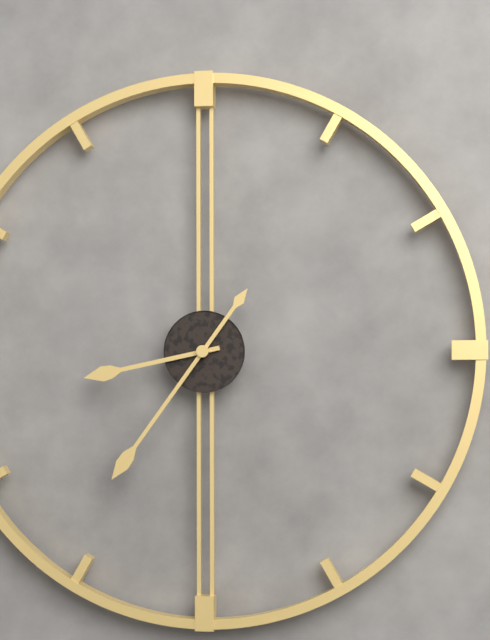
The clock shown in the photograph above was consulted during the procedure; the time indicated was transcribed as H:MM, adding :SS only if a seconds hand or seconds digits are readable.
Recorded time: 8:36
